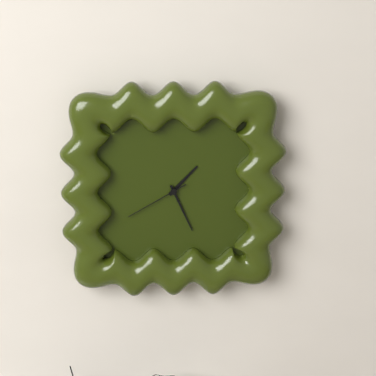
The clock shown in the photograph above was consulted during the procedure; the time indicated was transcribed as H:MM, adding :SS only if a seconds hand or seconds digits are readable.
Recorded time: 1:26:40
